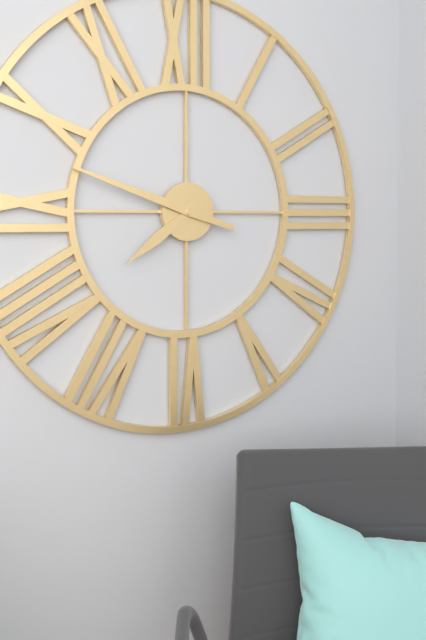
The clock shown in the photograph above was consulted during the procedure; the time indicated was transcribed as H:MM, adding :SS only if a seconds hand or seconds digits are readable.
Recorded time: 7:48
